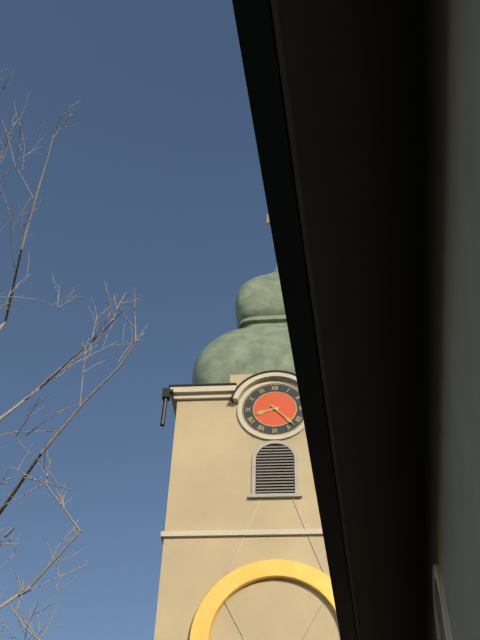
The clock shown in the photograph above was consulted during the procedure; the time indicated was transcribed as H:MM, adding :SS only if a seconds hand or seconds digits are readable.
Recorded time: 8:23
